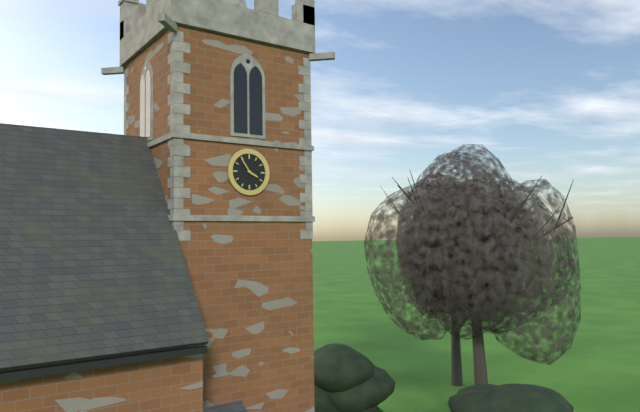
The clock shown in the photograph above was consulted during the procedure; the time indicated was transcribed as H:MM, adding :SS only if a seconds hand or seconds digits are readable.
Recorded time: 3:54
